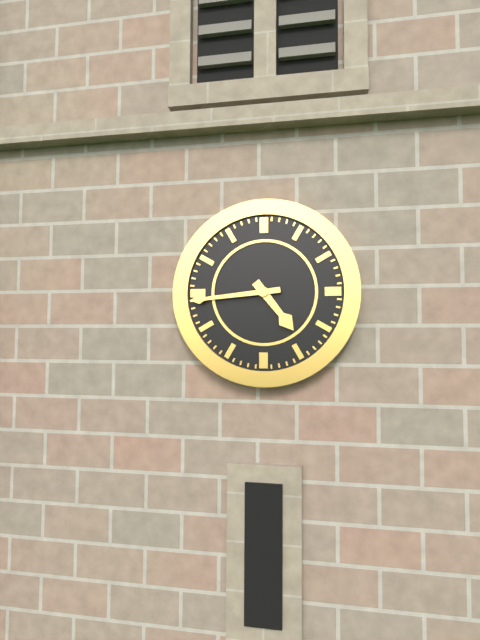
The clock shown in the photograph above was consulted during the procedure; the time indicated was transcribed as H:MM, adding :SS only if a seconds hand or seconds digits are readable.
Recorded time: 4:44
